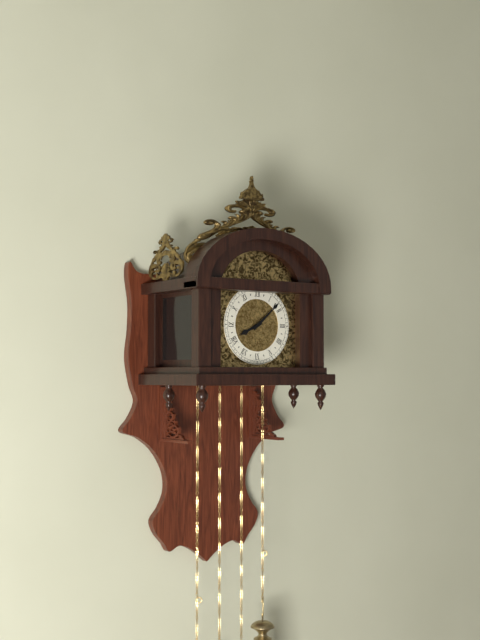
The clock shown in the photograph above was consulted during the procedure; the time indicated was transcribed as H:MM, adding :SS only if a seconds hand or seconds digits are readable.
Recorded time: 8:08
